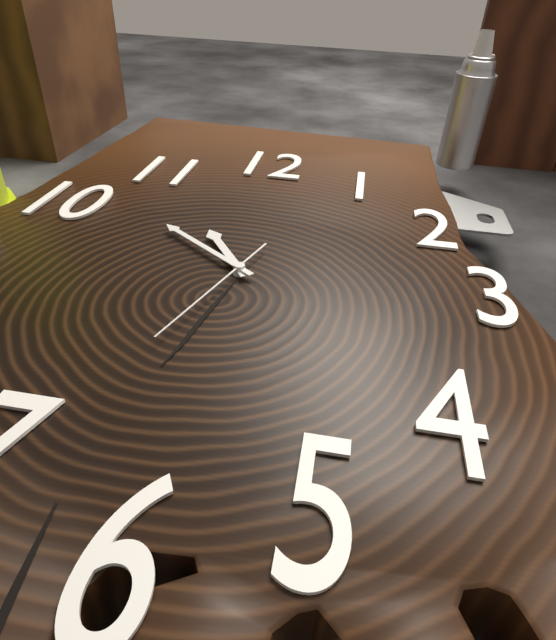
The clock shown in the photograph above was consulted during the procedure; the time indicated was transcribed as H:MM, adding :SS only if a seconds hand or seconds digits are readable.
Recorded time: 10:51:33
